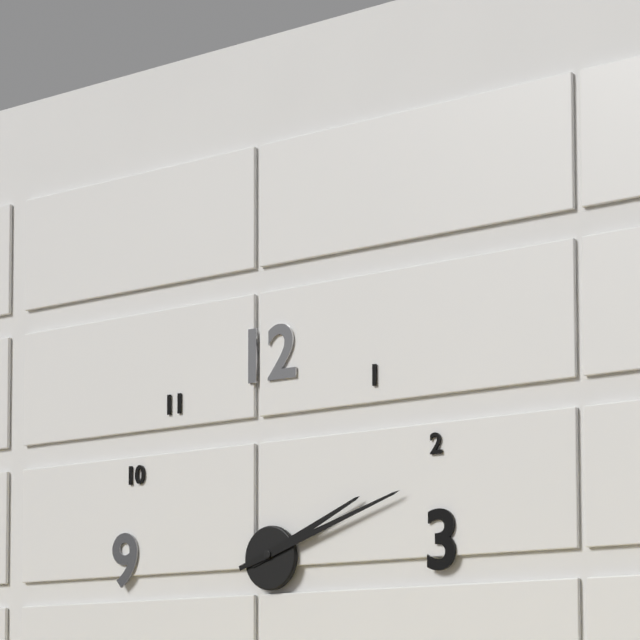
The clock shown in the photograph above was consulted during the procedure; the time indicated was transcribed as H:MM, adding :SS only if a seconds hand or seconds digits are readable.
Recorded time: 2:12
